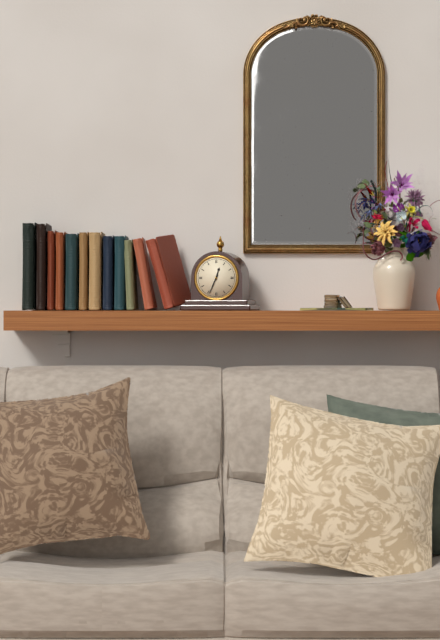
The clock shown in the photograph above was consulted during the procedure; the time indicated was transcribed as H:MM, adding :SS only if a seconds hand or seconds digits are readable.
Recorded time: 12:34
